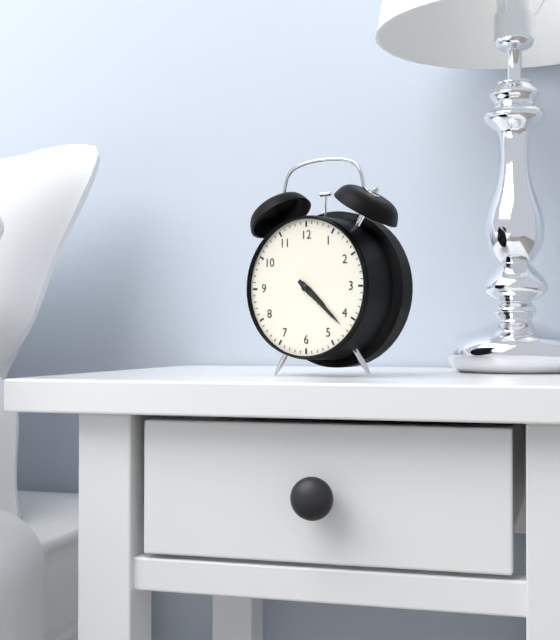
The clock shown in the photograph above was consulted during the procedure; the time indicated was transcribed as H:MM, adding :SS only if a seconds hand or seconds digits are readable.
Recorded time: 4:22
